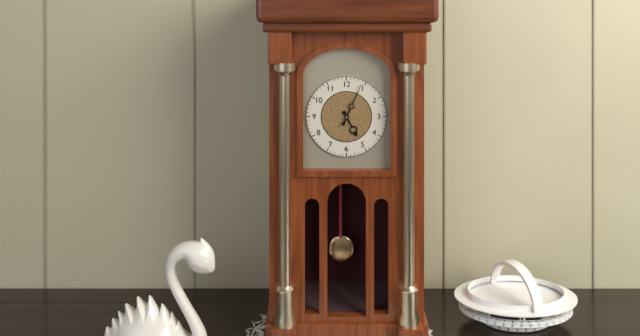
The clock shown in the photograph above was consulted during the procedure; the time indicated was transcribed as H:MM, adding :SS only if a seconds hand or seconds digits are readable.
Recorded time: 5:04
